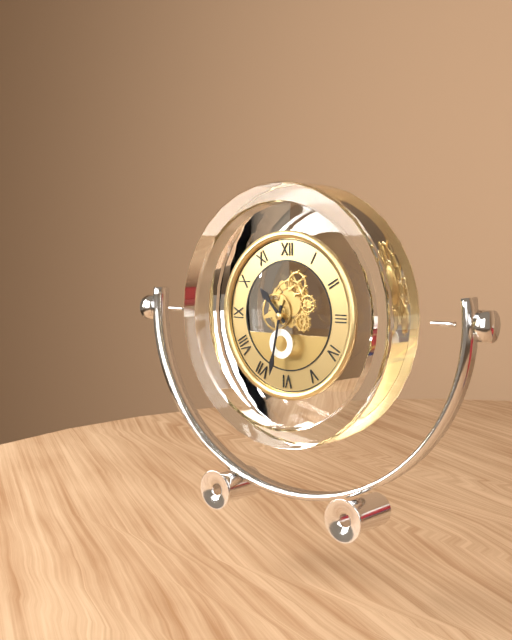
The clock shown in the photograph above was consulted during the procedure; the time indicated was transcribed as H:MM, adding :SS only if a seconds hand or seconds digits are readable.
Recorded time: 10:32
